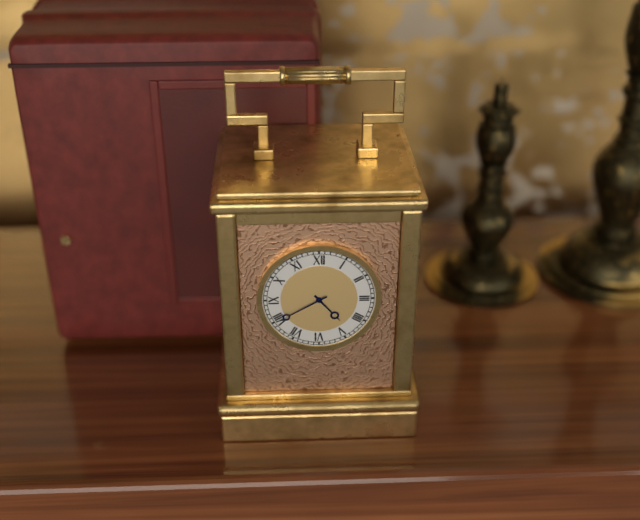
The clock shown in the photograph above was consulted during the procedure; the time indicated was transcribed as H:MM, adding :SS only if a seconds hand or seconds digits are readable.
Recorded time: 4:40
